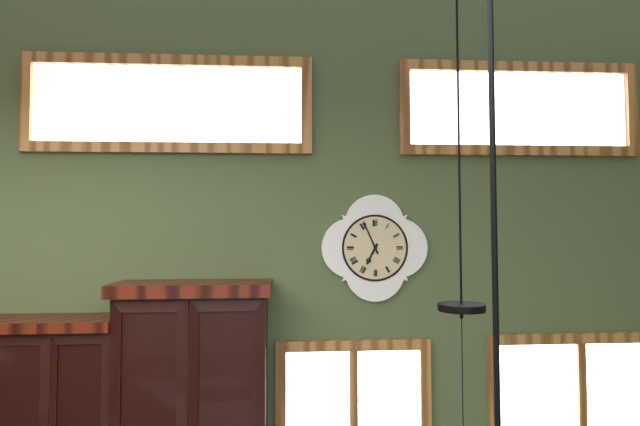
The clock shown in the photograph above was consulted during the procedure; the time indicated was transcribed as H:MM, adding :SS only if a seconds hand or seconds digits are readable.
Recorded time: 6:56
